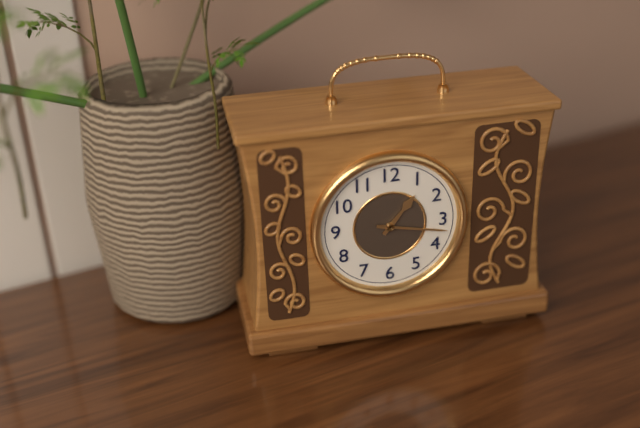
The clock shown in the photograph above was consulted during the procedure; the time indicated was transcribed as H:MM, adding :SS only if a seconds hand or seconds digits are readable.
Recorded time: 1:17
